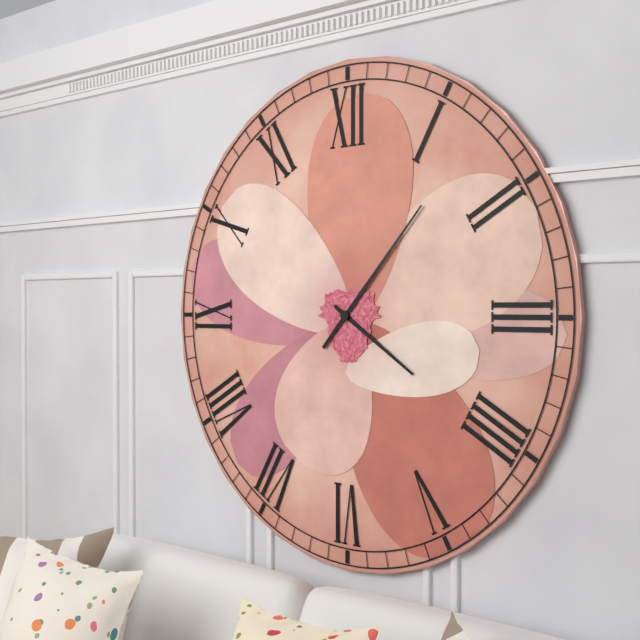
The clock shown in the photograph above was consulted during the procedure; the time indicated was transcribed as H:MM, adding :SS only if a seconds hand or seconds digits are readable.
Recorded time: 4:07
